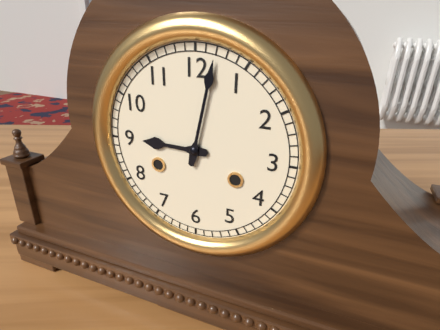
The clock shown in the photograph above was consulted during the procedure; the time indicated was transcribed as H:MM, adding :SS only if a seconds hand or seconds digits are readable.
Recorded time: 9:02
